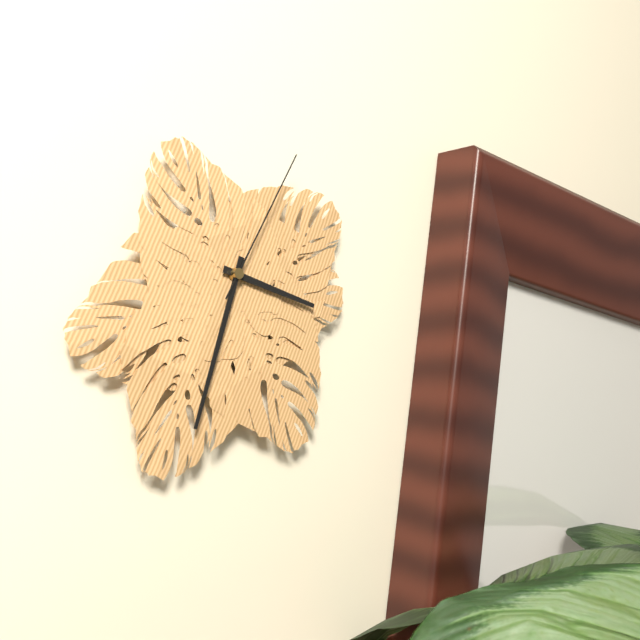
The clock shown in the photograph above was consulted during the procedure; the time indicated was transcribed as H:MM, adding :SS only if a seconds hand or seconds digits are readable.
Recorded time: 3:33:05
